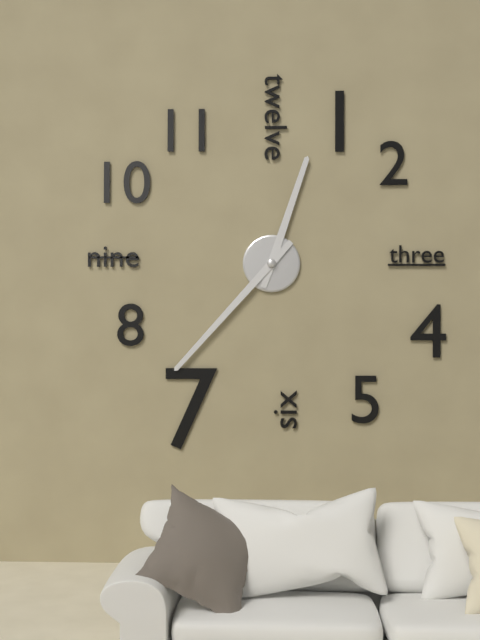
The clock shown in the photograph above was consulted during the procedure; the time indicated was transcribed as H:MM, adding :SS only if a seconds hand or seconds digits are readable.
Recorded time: 12:37
